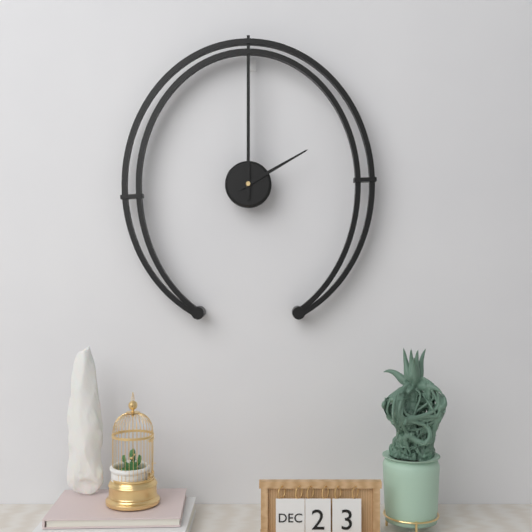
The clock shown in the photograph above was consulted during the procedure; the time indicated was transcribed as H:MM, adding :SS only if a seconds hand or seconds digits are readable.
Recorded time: 2:00
